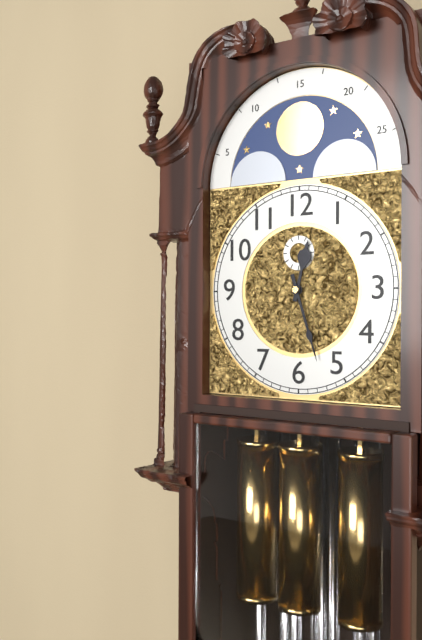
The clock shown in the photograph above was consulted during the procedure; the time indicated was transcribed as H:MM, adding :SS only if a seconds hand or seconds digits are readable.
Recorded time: 12:27
